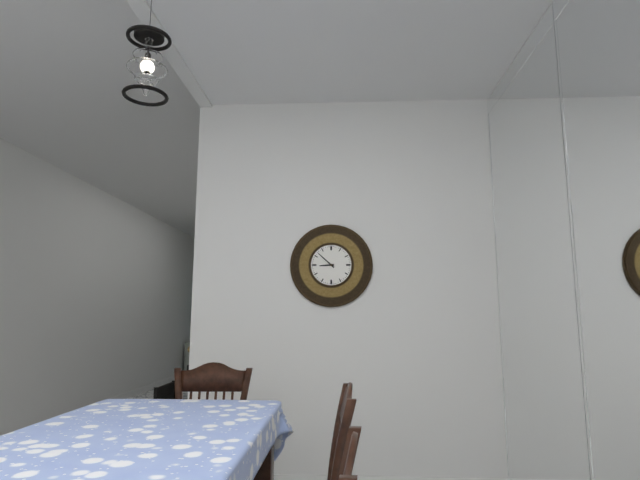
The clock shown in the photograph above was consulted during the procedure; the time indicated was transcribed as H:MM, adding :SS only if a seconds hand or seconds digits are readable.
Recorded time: 8:52
